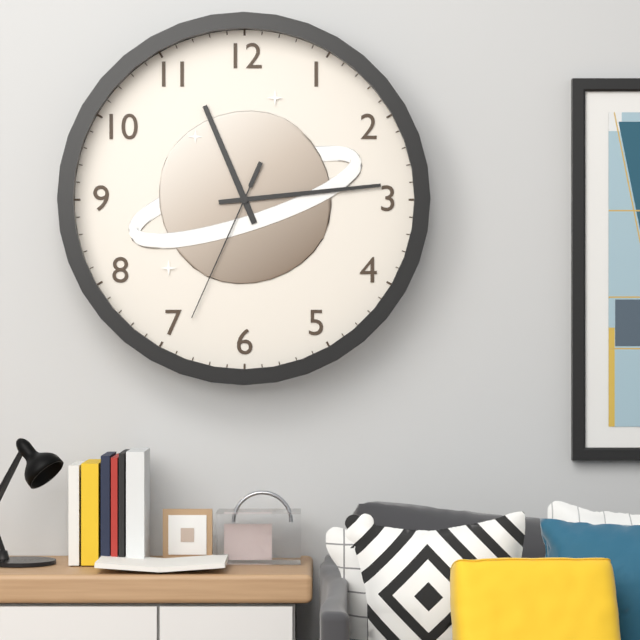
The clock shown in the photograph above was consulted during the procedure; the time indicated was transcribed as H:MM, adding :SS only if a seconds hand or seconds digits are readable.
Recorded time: 11:14:34
